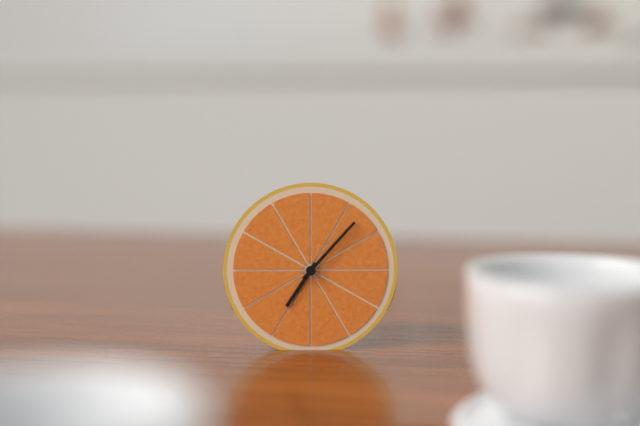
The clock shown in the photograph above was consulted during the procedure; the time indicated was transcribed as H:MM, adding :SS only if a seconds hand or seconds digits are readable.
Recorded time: 7:07
